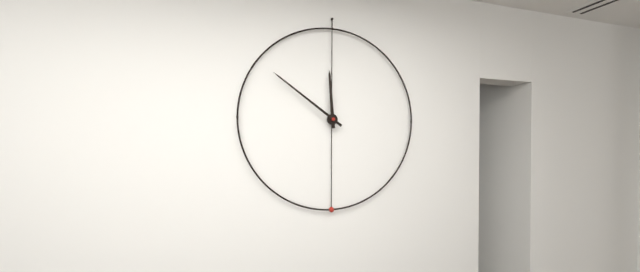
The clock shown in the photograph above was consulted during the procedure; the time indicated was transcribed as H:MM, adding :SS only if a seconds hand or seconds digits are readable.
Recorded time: 11:51
